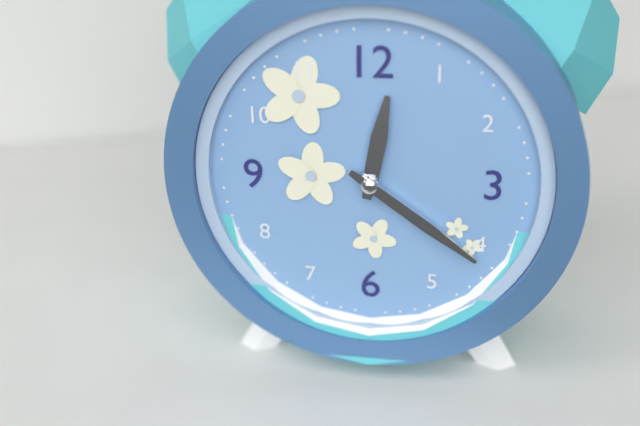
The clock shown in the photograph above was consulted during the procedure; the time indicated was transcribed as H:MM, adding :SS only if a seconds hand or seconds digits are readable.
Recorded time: 12:21
